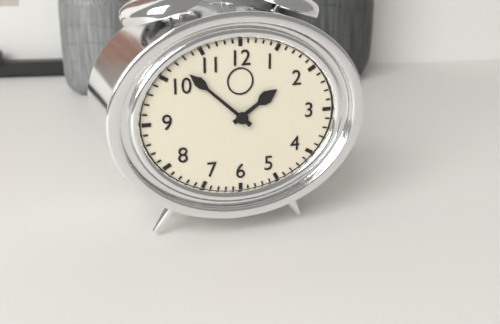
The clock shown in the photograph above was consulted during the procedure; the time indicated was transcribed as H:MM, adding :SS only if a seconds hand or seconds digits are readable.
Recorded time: 1:52
